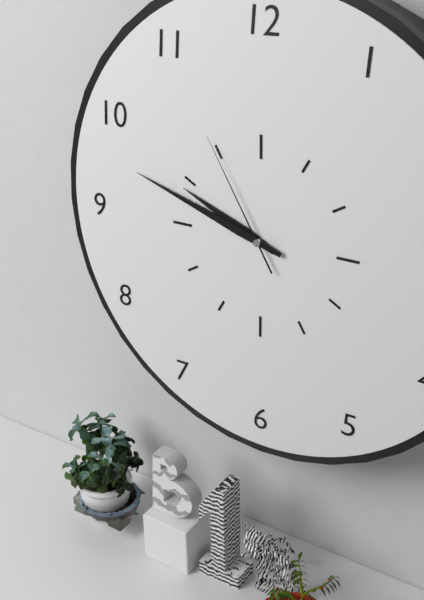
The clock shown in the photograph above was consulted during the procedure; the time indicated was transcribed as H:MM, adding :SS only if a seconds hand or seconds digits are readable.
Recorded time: 9:48:55
